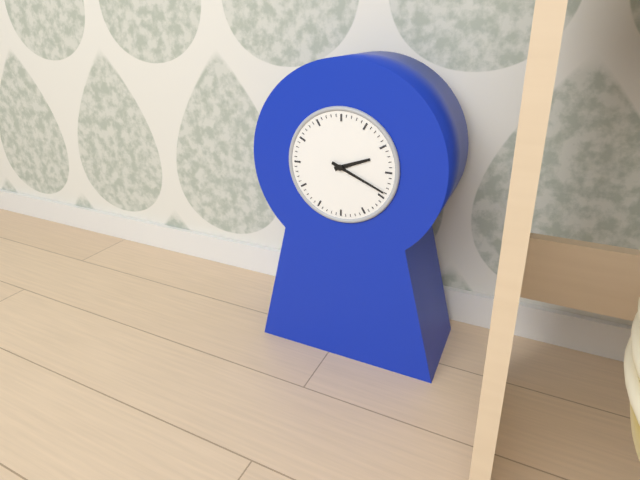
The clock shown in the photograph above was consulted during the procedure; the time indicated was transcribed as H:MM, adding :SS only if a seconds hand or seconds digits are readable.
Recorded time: 2:19
